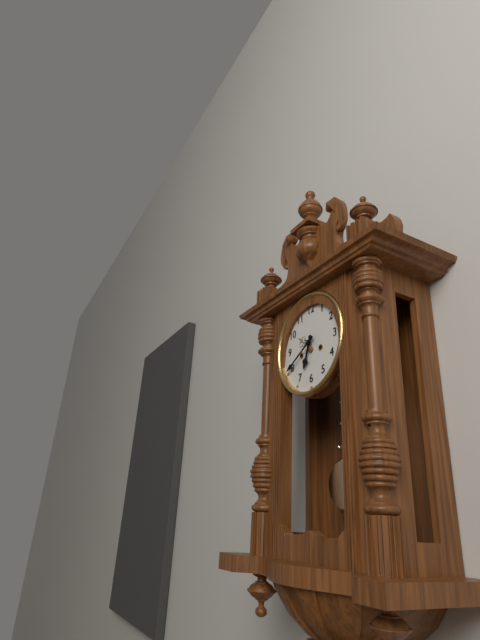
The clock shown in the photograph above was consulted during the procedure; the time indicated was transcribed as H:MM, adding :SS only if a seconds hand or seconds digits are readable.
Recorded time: 6:40
